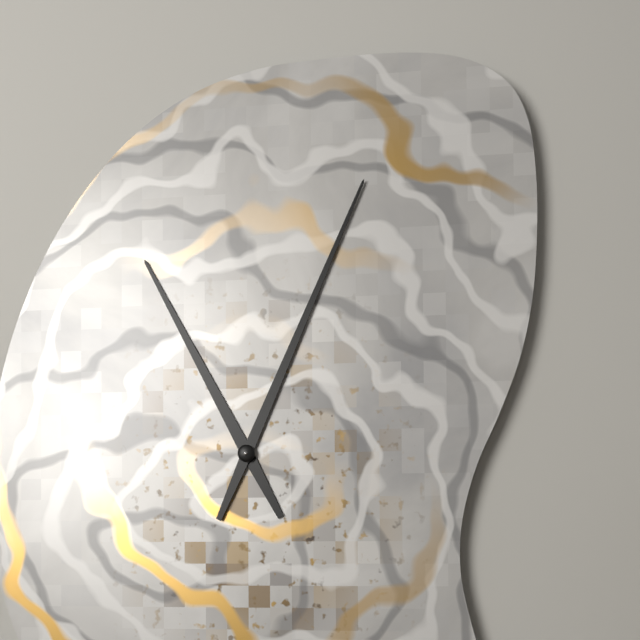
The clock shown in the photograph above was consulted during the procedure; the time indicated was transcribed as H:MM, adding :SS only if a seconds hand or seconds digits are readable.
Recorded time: 11:04
